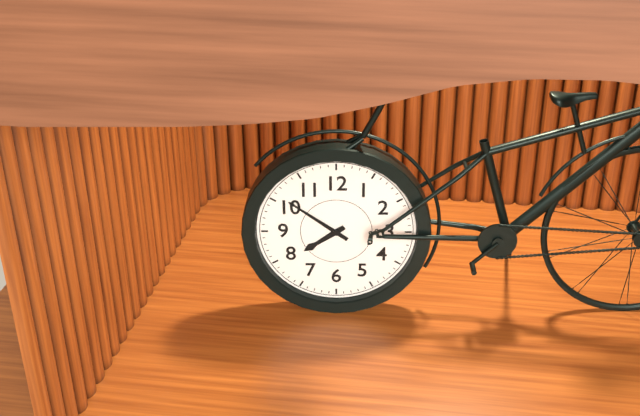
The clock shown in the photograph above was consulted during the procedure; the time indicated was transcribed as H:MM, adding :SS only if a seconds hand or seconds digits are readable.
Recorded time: 7:51
